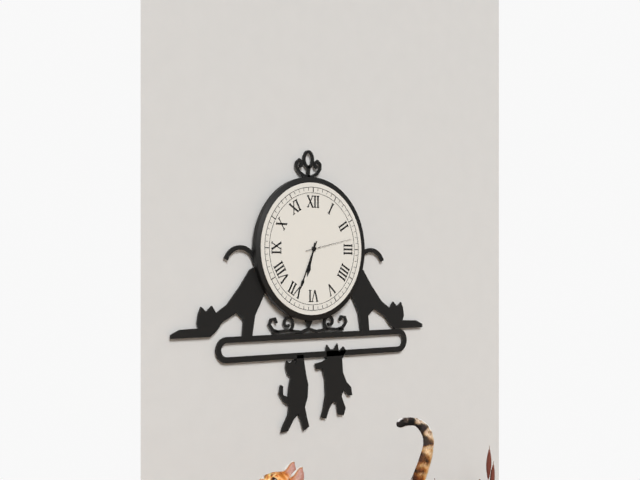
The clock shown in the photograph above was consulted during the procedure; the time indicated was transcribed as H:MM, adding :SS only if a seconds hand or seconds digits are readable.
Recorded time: 6:34:13
